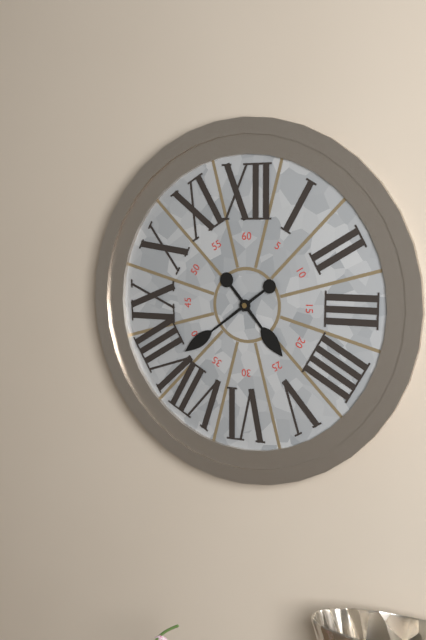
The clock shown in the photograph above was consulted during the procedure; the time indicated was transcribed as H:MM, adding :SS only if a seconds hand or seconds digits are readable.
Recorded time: 4:39
